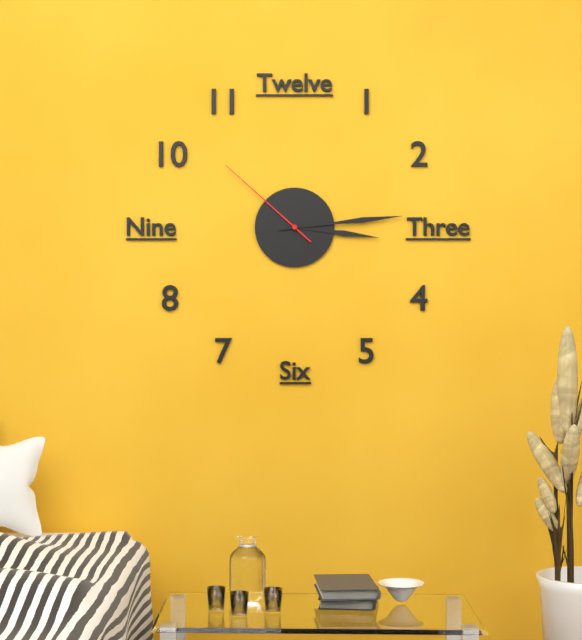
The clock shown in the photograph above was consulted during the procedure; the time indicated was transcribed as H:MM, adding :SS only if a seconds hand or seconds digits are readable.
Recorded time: 3:14:52
